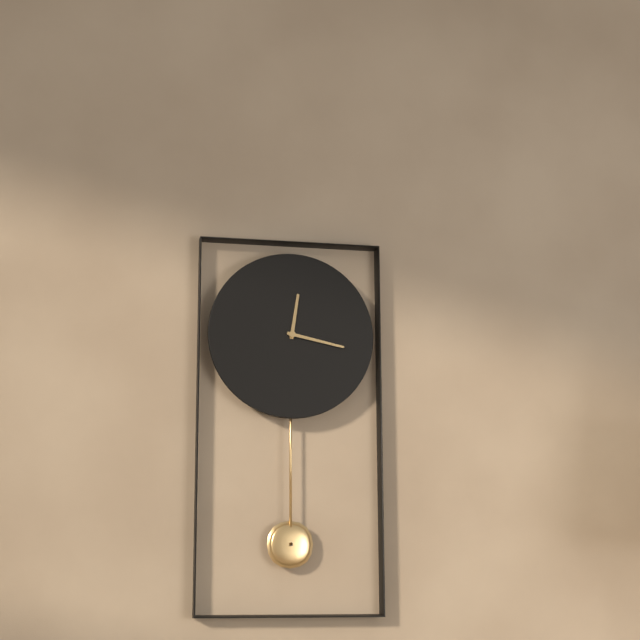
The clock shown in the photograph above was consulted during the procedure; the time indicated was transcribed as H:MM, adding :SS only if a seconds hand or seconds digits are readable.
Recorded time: 12:17
